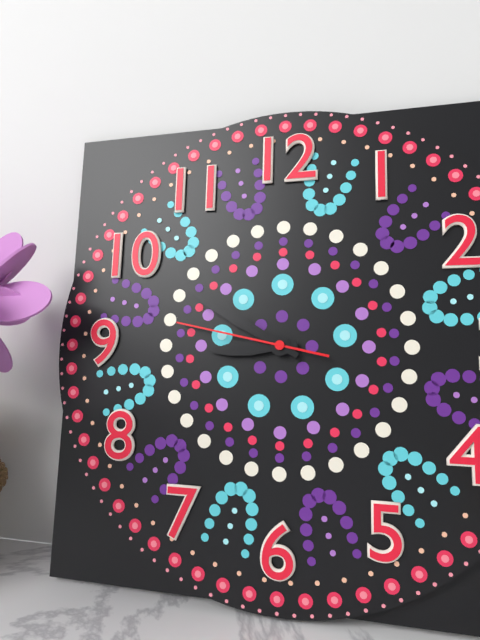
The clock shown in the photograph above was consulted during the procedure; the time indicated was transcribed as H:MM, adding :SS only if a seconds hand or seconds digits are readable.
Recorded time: 8:50:47
